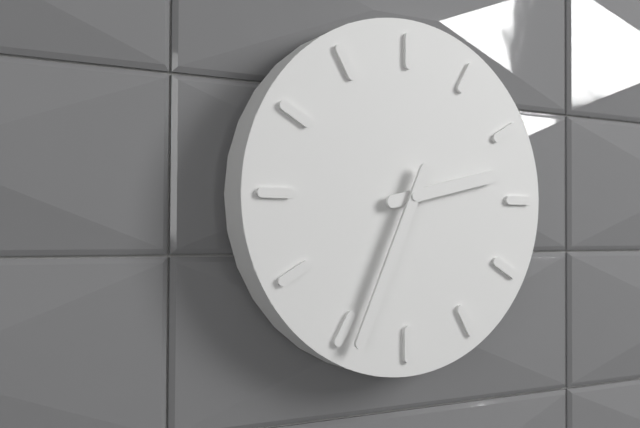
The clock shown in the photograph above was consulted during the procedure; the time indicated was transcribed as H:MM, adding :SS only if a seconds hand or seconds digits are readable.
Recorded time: 2:34
